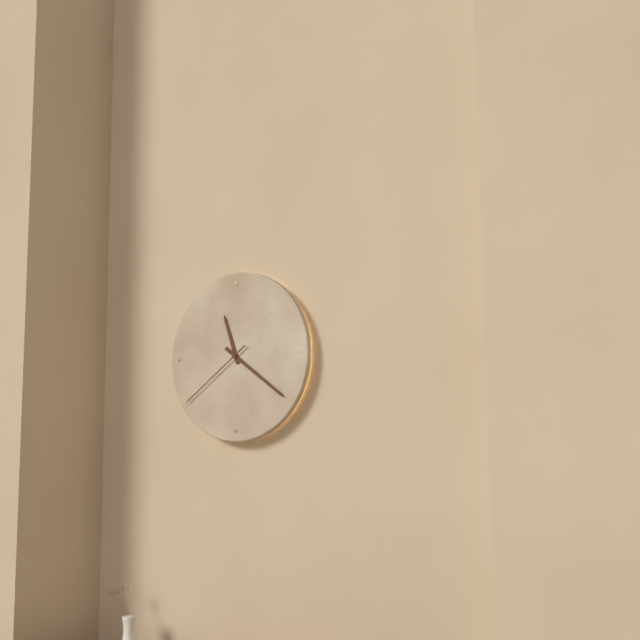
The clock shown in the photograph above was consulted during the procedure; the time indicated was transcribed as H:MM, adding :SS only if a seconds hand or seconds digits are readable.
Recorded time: 11:21:39
